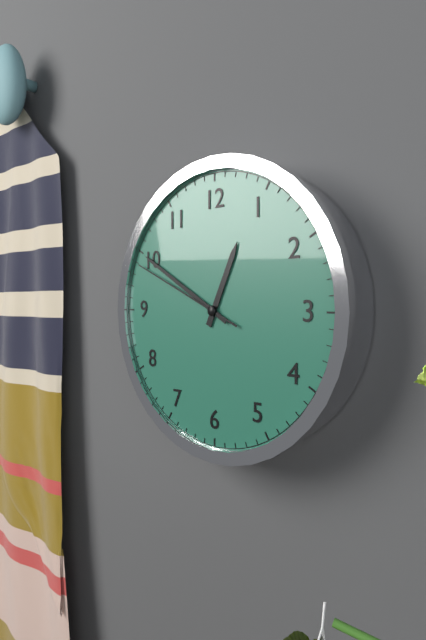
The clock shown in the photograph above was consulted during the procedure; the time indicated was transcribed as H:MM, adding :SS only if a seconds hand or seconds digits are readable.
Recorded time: 12:50:49
